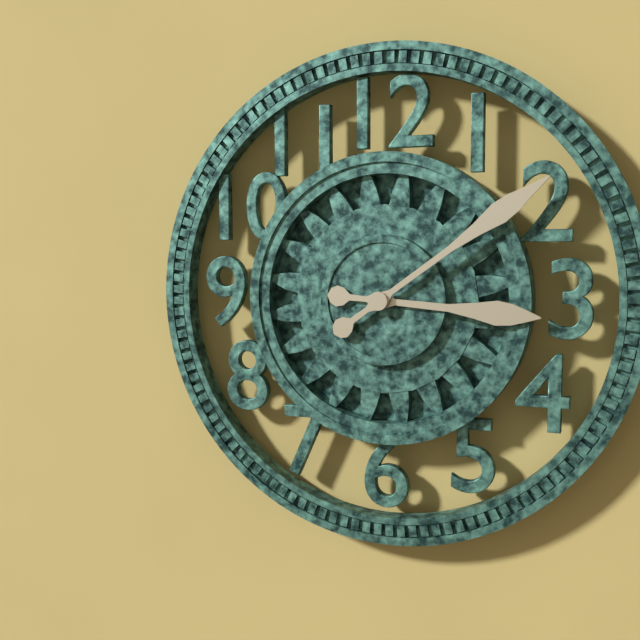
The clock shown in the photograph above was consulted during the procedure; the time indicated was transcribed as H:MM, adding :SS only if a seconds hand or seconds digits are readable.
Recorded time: 3:09
